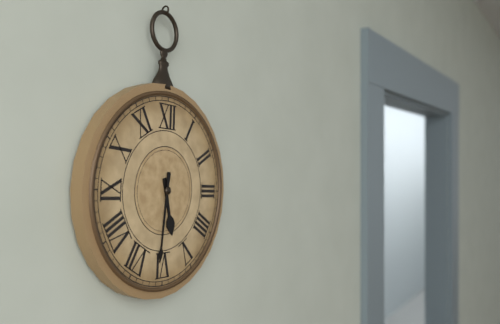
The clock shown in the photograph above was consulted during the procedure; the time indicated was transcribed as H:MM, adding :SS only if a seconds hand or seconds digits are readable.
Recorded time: 5:31
